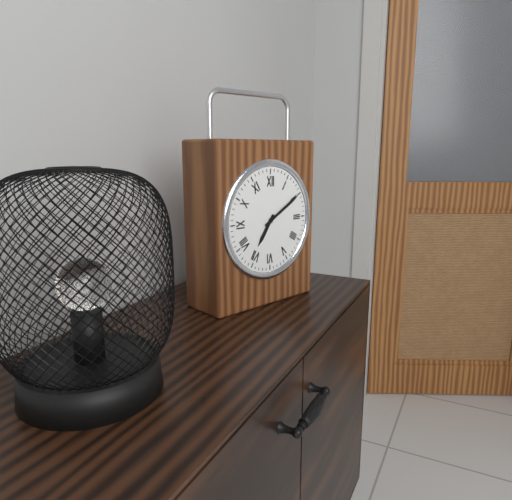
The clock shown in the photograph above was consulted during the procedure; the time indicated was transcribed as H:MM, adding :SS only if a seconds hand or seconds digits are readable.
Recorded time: 7:10
